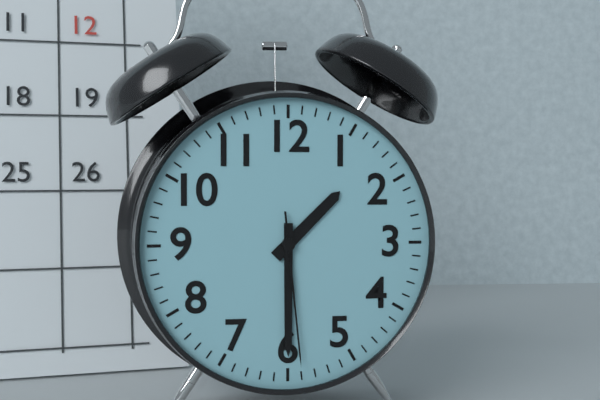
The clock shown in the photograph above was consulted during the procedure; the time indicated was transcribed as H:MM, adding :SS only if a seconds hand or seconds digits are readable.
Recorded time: 1:30:29
